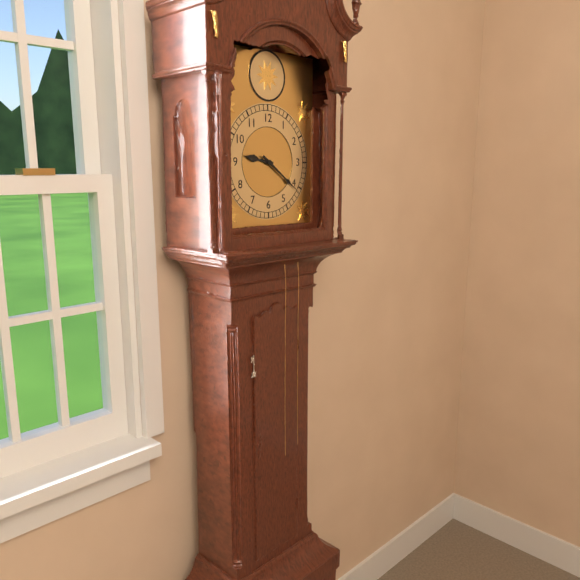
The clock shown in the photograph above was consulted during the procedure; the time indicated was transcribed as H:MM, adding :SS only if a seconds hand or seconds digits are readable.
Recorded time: 9:21
